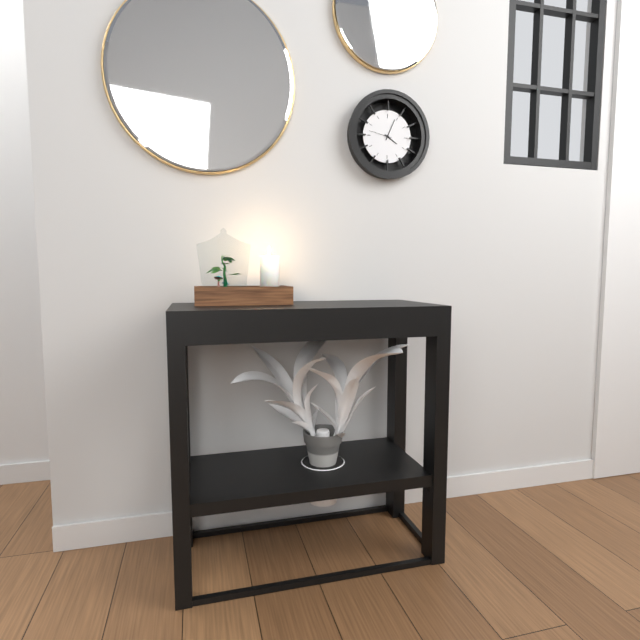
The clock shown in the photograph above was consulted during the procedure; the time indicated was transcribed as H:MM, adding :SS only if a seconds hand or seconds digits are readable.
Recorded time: 4:04
